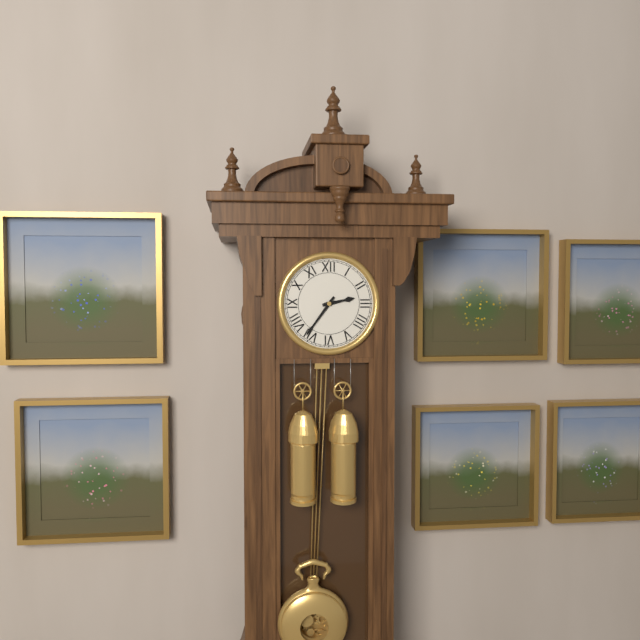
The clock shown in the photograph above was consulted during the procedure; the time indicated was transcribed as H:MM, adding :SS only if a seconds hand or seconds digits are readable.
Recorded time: 2:36
